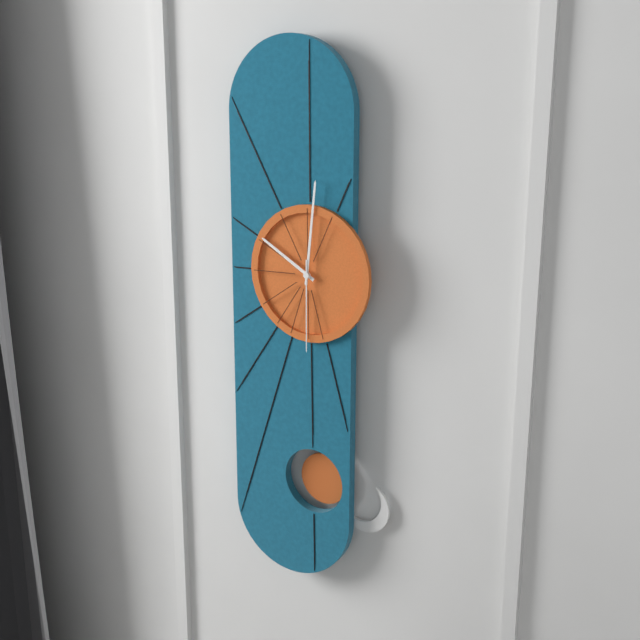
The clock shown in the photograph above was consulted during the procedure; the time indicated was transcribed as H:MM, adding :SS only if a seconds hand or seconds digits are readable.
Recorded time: 10:01:30
